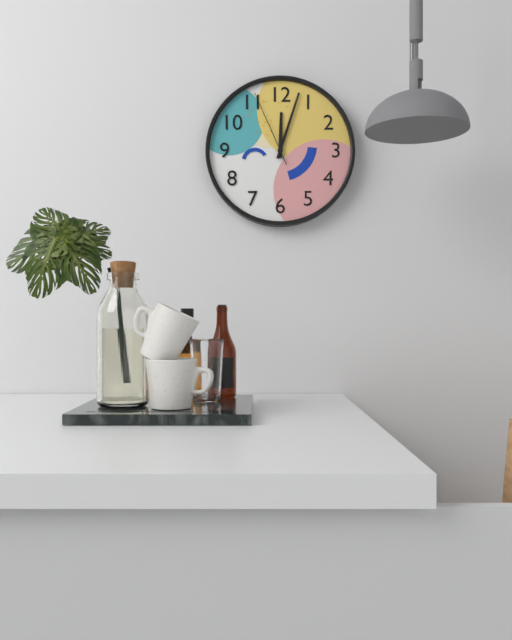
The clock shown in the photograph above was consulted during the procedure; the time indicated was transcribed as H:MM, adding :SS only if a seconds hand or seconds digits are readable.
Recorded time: 12:03:56
